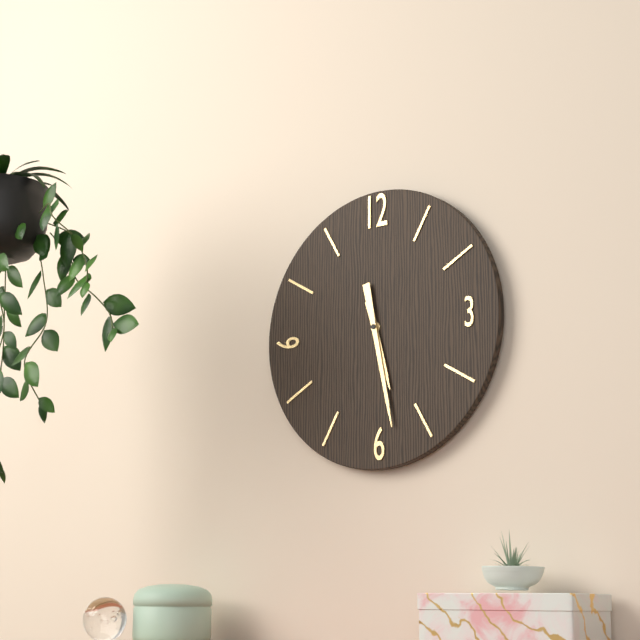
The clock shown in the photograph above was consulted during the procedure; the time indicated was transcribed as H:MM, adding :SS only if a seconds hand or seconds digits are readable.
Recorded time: 5:28
